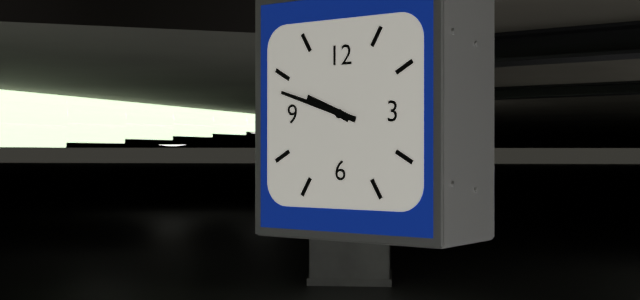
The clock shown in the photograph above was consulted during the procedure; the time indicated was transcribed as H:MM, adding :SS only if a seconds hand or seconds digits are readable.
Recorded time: 9:48
